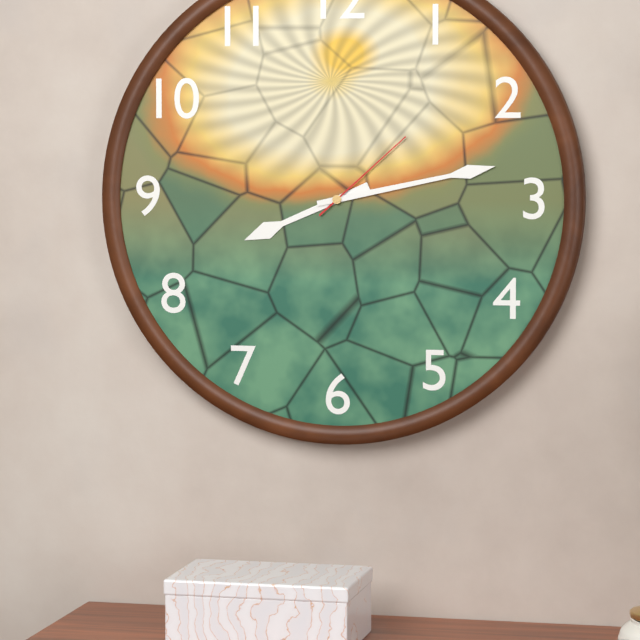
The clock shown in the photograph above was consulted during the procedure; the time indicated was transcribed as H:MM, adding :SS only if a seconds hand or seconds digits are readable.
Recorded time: 8:13:08
